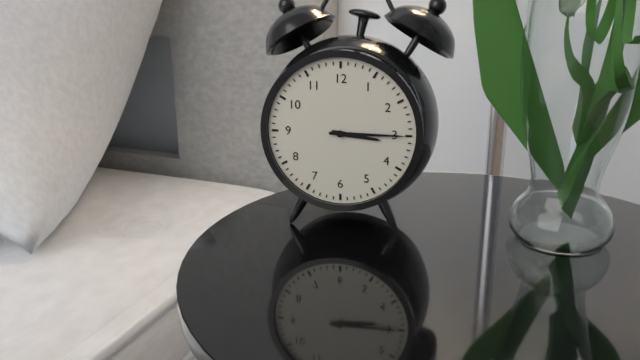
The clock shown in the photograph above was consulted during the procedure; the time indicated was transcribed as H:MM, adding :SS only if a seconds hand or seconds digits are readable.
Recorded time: 3:15
